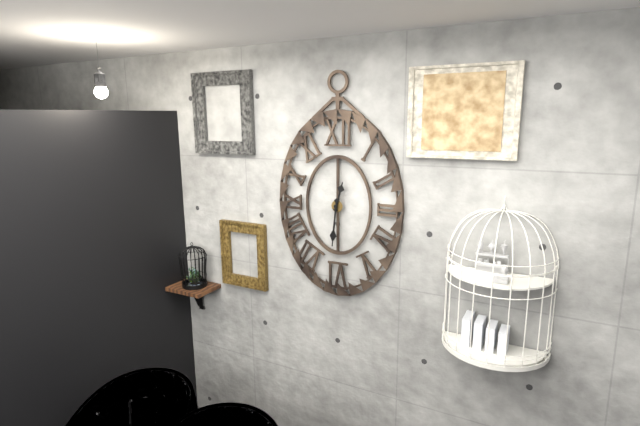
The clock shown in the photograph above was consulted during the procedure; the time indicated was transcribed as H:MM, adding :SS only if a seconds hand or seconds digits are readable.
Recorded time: 12:31
